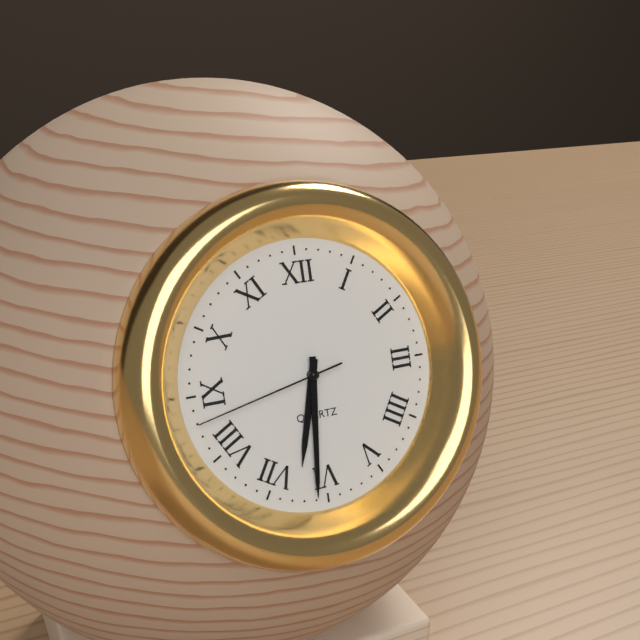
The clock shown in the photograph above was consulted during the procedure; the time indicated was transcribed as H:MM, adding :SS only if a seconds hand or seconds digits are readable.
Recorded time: 6:31:43
